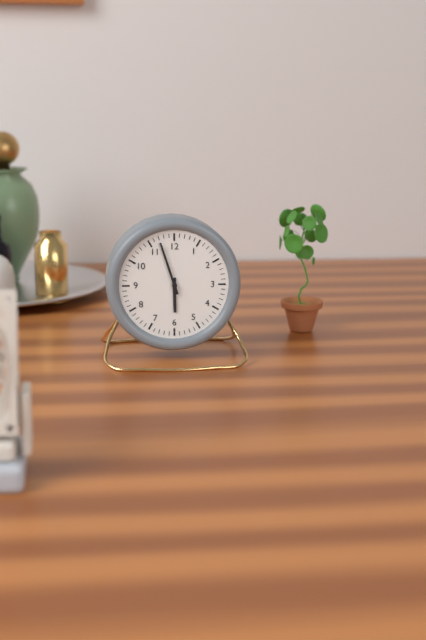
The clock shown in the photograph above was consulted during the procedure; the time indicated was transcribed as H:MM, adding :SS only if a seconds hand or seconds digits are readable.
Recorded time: 5:57
